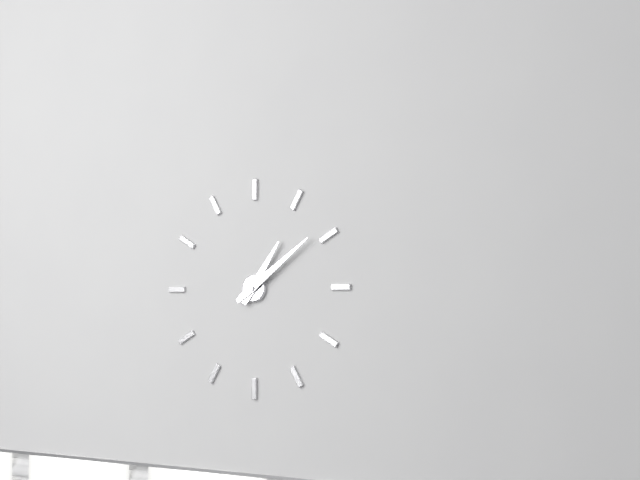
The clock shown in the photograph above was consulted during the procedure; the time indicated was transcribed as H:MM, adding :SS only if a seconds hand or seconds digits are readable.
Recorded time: 1:09
